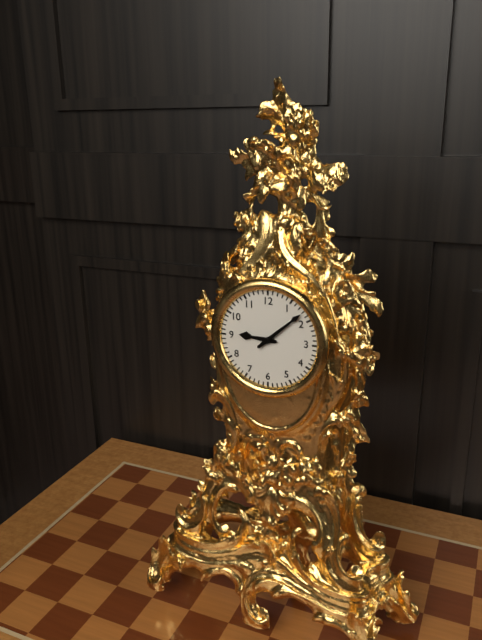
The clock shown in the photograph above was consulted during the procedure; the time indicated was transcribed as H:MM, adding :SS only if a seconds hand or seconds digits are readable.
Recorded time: 9:08
